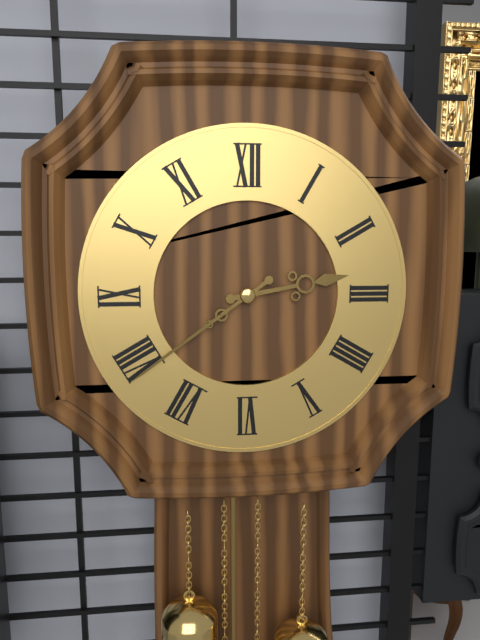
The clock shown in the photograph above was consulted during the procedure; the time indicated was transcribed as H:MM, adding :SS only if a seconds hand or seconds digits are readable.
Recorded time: 2:39
